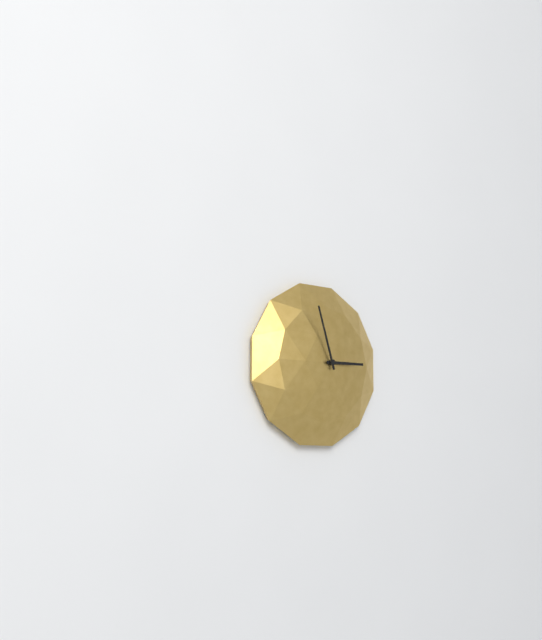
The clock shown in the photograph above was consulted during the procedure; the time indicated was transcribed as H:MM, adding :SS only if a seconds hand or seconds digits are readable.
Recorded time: 2:57
